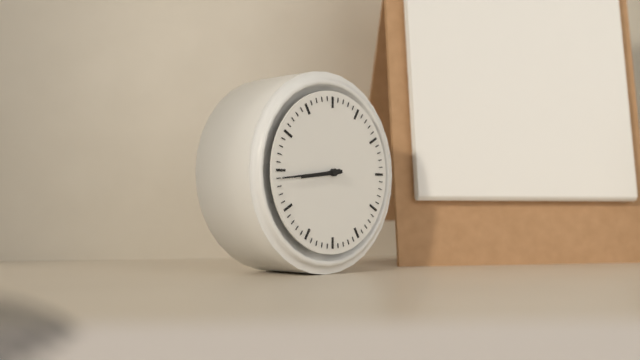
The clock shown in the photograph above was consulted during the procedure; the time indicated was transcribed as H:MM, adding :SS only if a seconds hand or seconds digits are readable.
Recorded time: 8:44
